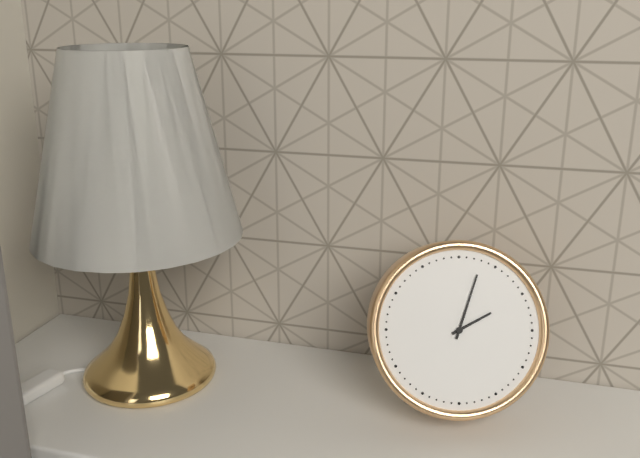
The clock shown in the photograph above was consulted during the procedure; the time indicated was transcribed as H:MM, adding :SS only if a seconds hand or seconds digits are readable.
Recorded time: 2:03
